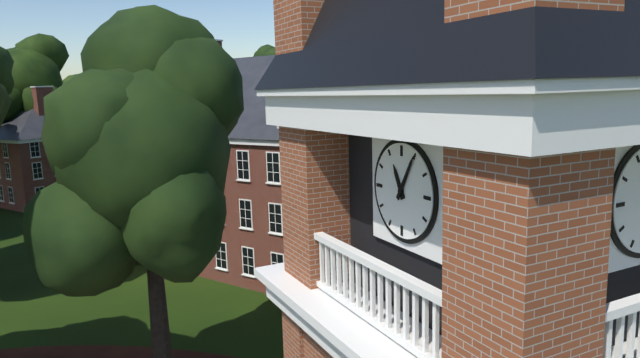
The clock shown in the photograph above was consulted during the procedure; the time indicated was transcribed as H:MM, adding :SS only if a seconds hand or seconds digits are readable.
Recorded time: 11:05
